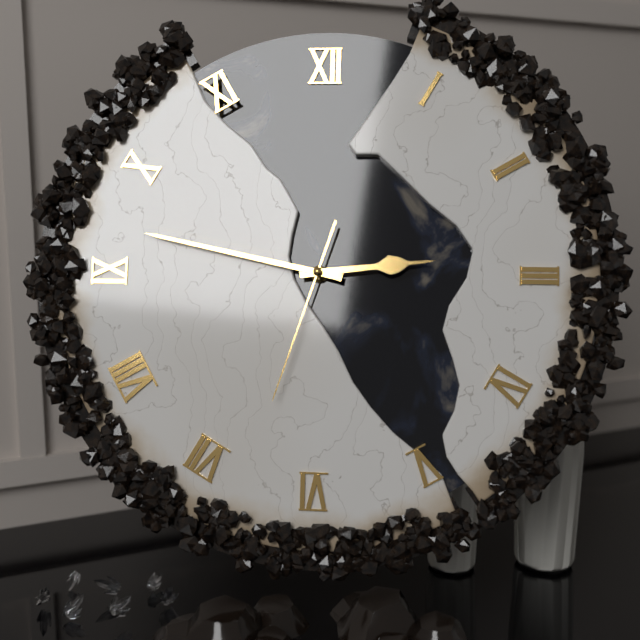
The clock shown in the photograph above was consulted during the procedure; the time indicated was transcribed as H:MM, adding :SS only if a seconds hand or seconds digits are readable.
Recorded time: 2:47:33
